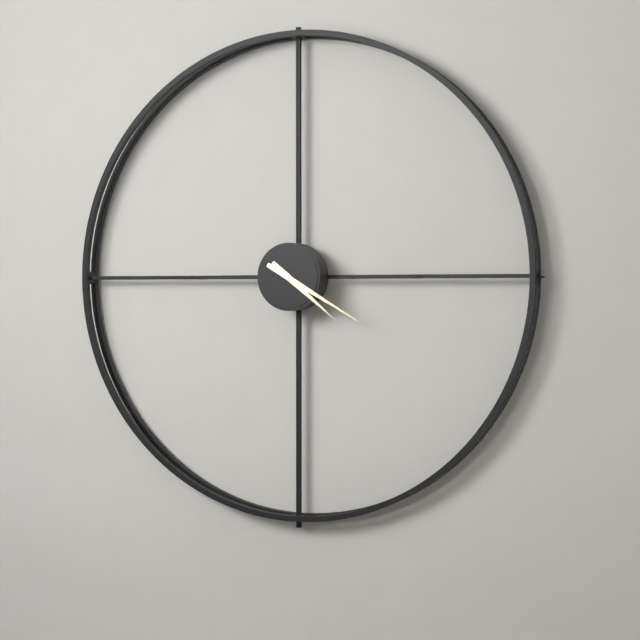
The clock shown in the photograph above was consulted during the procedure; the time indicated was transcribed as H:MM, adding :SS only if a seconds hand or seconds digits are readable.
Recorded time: 4:20
